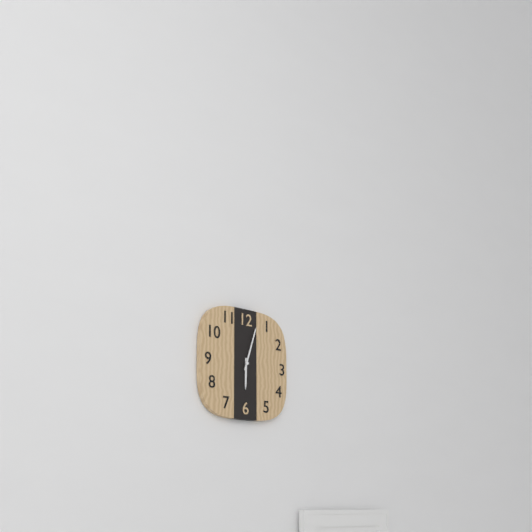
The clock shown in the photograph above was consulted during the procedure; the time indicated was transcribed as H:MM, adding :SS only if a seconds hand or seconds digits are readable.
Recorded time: 6:03
